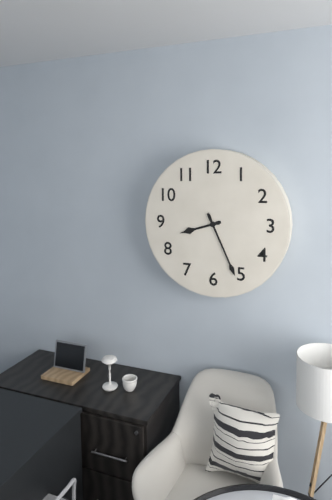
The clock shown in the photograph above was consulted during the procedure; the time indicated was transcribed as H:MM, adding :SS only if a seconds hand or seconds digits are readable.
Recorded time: 8:26
